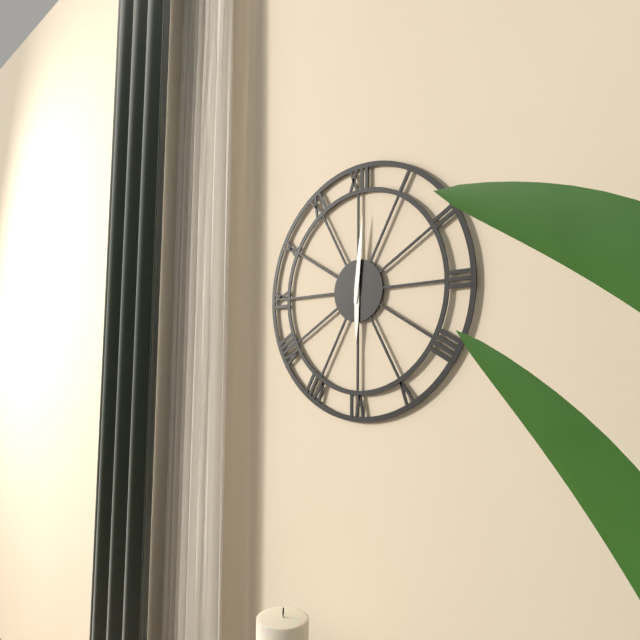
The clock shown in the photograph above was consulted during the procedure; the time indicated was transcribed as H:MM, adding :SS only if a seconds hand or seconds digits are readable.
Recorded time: 6:01
